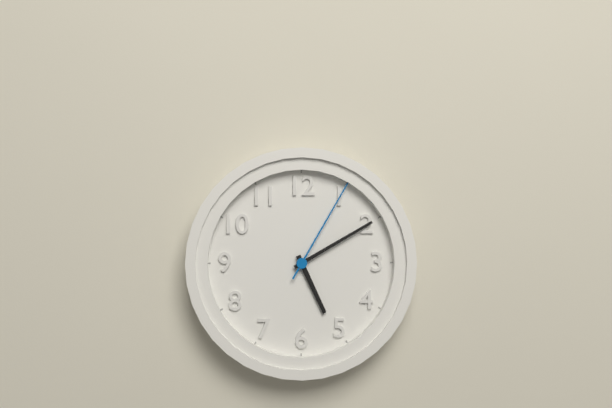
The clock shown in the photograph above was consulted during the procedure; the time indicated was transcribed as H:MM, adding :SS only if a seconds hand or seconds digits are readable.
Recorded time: 5:10:05
